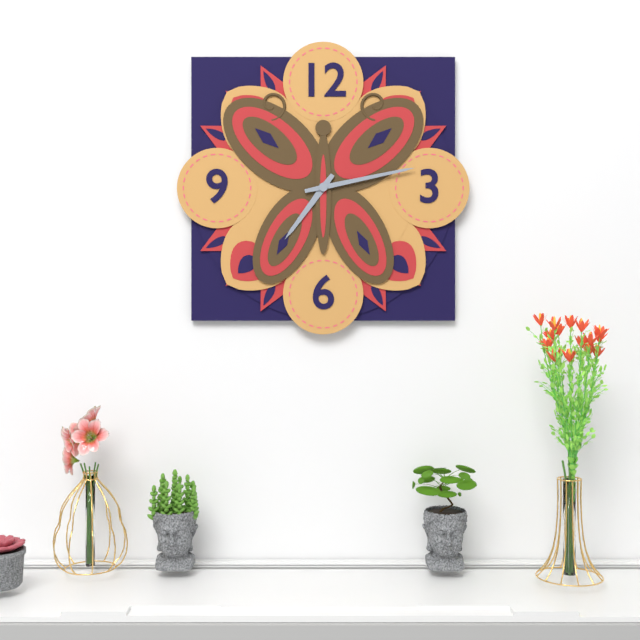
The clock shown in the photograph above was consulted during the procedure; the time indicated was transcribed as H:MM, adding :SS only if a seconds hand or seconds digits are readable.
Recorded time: 7:13
